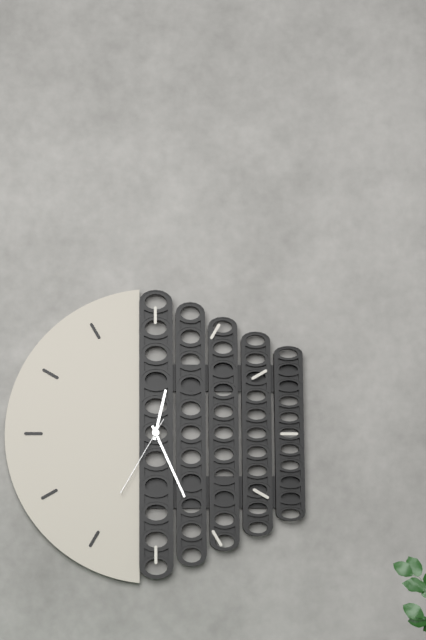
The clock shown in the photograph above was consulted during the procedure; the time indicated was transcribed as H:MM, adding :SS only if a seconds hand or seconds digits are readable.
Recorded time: 12:26:35
